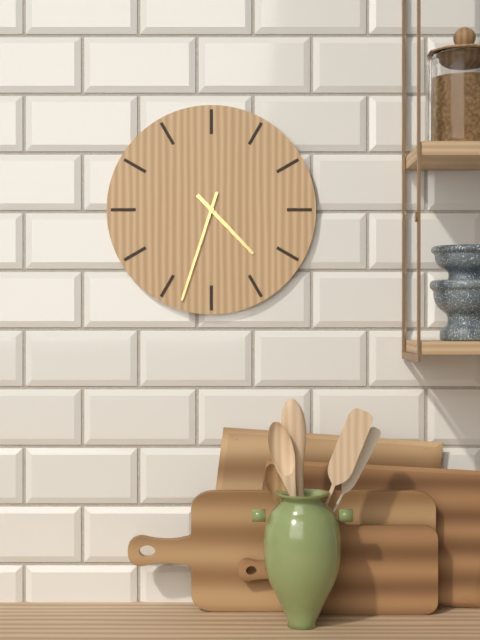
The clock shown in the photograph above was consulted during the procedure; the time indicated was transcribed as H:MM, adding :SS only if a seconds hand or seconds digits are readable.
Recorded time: 4:33
